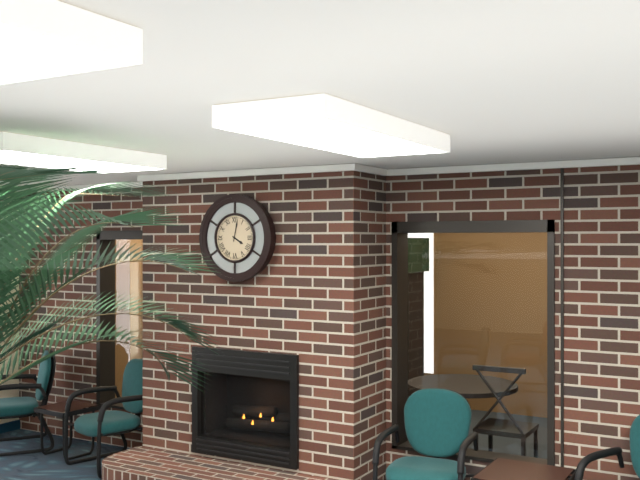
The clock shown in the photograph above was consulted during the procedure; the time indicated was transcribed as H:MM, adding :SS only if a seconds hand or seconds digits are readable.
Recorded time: 4:02
